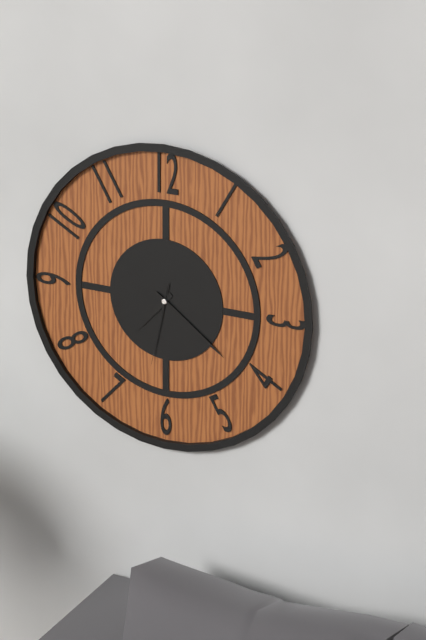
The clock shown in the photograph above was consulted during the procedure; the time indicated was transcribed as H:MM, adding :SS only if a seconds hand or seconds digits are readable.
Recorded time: 7:21:32
